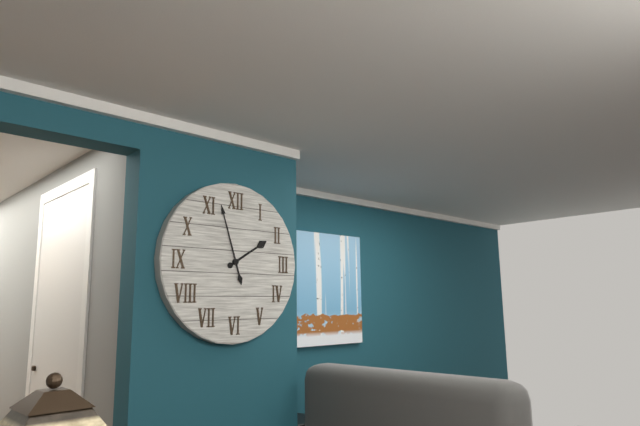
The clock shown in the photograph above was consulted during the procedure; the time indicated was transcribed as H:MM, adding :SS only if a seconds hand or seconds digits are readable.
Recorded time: 1:57
